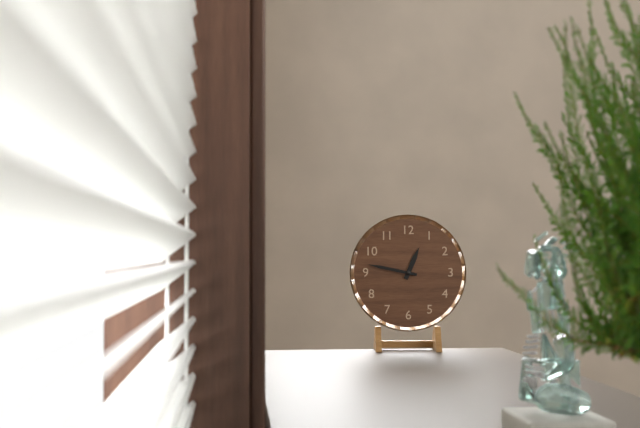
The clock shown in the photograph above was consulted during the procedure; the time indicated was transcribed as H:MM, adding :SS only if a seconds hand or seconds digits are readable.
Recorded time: 12:47
